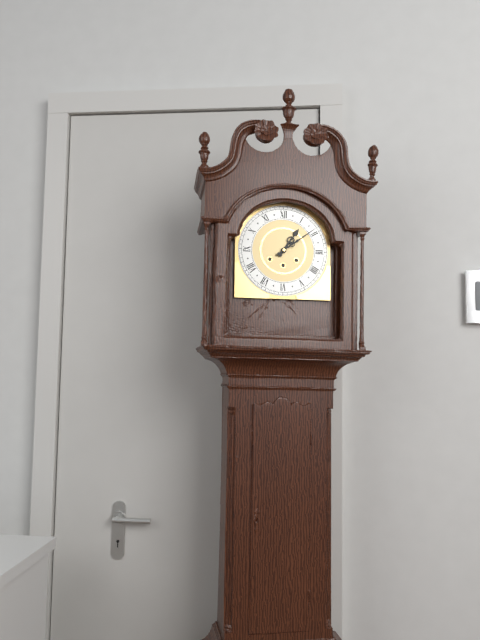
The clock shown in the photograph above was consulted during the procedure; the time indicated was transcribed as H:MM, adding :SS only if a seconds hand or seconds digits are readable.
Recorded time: 1:09
